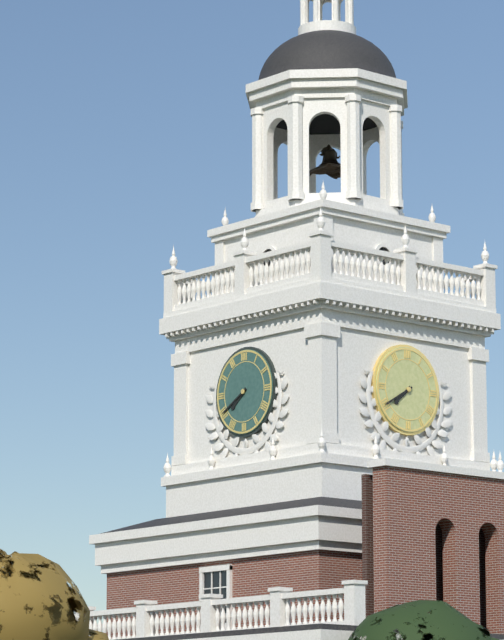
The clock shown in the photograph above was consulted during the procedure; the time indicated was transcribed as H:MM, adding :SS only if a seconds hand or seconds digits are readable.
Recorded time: 7:40
